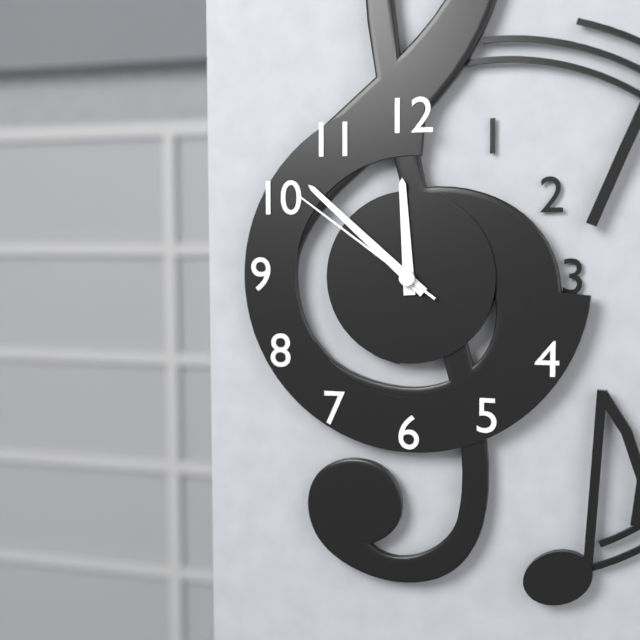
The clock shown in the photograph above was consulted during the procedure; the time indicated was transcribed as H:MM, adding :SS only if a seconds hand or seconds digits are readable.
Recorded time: 11:52:51
